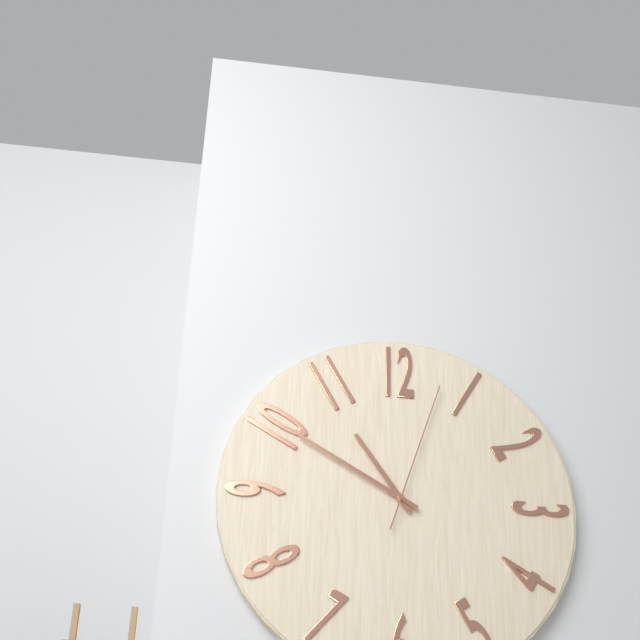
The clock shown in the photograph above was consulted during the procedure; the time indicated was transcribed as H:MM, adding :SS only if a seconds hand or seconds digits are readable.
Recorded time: 10:50:03
